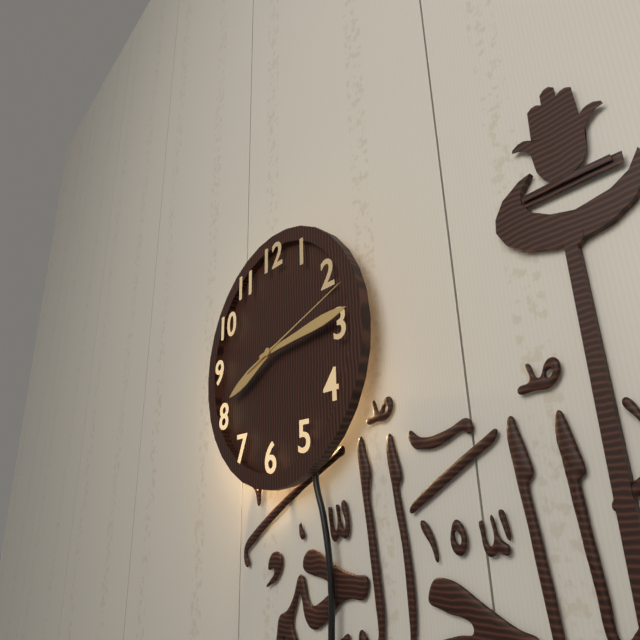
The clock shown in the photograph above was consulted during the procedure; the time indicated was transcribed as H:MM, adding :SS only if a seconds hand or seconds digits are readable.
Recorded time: 8:14:12
